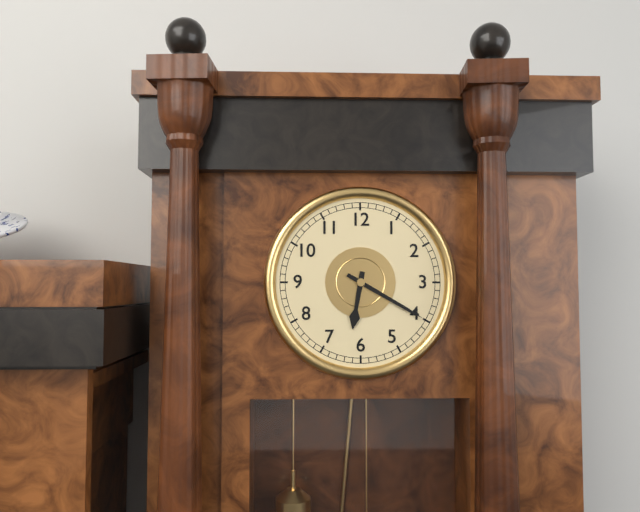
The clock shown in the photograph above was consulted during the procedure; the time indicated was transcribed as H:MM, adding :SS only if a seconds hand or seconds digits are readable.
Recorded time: 6:20
